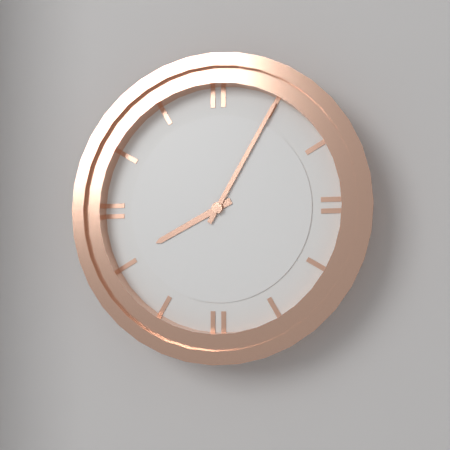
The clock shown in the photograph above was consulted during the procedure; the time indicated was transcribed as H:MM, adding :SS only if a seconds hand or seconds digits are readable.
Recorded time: 8:05
